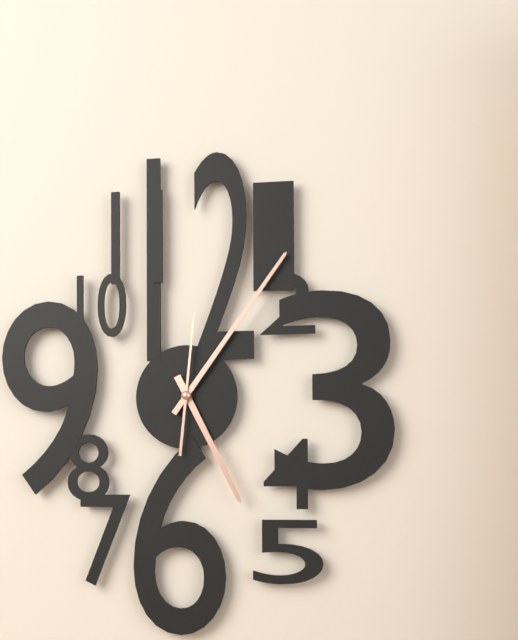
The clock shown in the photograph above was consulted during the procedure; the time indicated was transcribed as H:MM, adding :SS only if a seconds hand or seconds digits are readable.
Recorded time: 5:06:01
